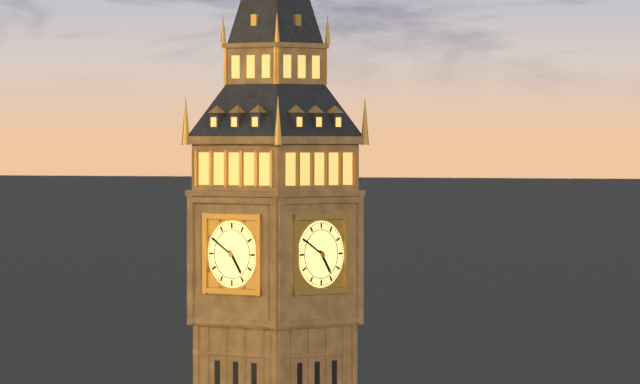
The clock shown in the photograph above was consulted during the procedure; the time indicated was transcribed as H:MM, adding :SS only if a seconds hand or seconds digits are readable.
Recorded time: 4:50
